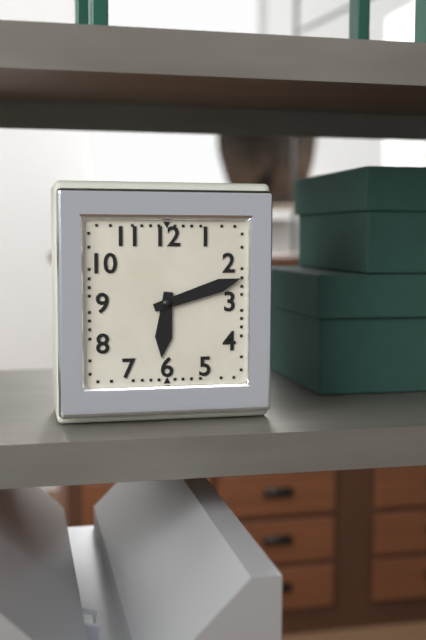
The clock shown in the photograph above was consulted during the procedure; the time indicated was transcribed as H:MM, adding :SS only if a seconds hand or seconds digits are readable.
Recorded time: 6:12
